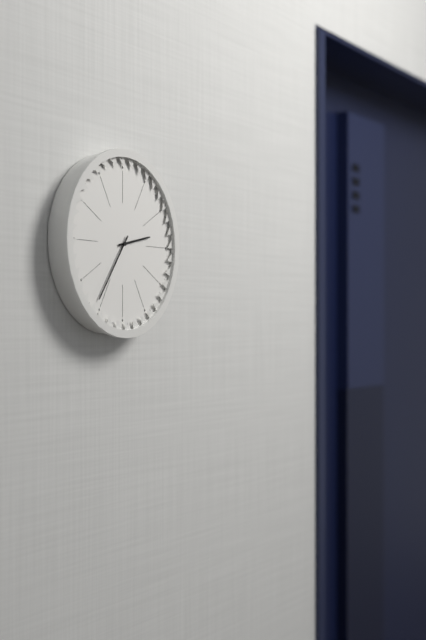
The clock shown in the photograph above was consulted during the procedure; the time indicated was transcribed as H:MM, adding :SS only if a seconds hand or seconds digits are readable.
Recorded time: 2:36
